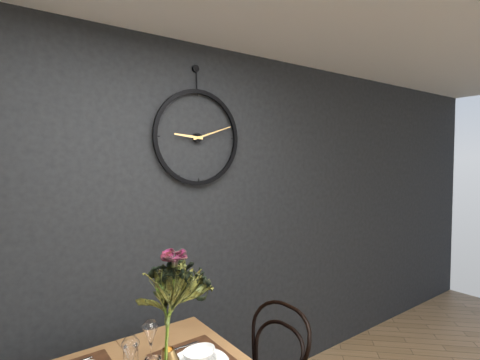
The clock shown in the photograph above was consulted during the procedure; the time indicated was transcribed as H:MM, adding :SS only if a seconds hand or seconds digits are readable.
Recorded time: 9:12
